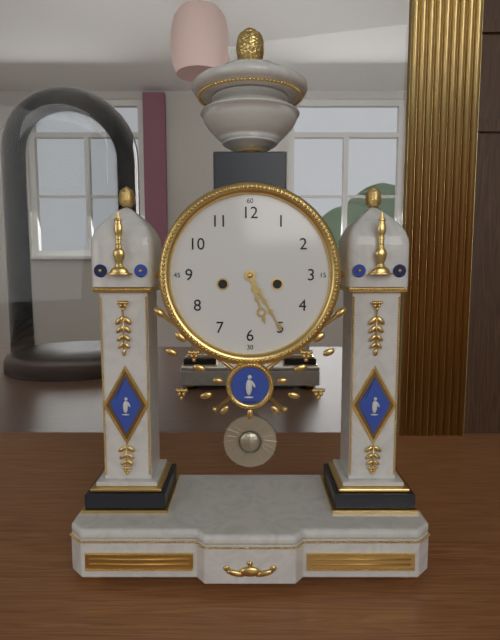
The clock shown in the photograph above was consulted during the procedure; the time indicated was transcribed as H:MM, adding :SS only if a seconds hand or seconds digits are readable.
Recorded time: 5:25
